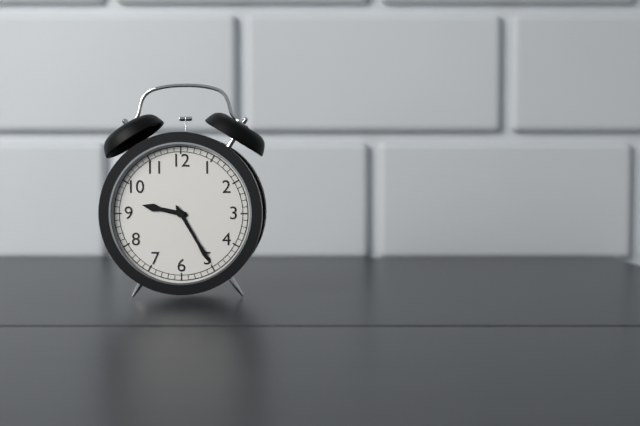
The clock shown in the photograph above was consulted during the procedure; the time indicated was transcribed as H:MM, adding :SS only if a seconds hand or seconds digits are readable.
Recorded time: 9:25
